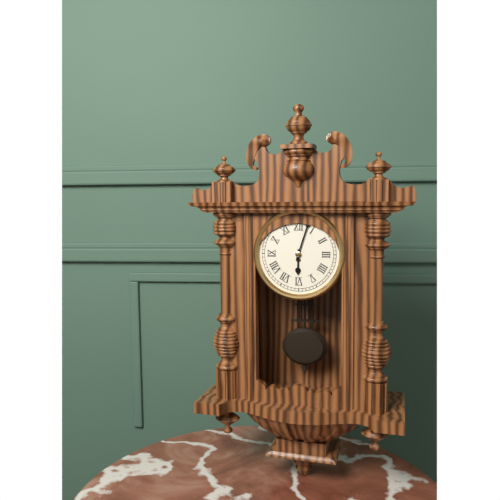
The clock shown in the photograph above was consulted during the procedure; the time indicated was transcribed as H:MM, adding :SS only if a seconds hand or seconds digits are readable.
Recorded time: 6:03
